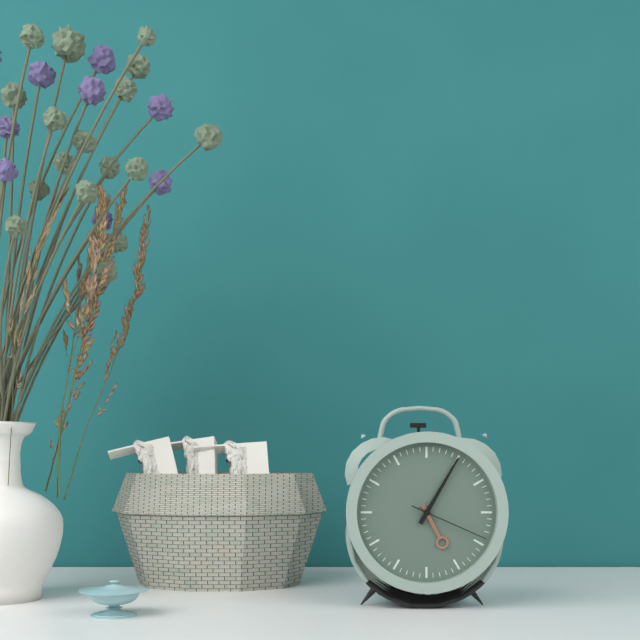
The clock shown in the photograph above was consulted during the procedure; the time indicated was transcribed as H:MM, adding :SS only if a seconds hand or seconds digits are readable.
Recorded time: 5:05:19
